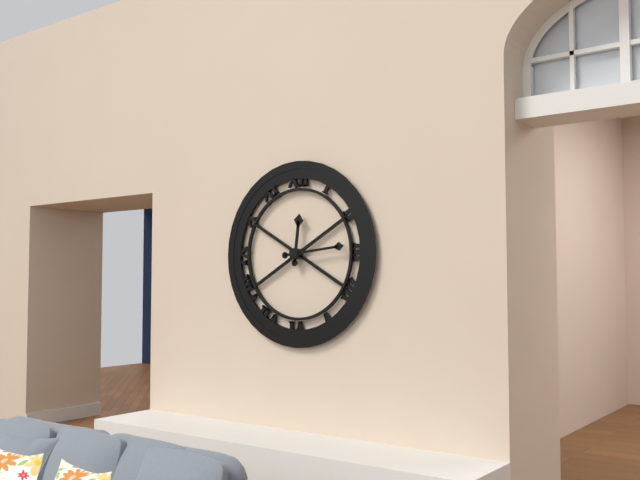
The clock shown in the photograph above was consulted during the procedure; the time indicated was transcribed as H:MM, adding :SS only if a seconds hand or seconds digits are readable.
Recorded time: 12:14
